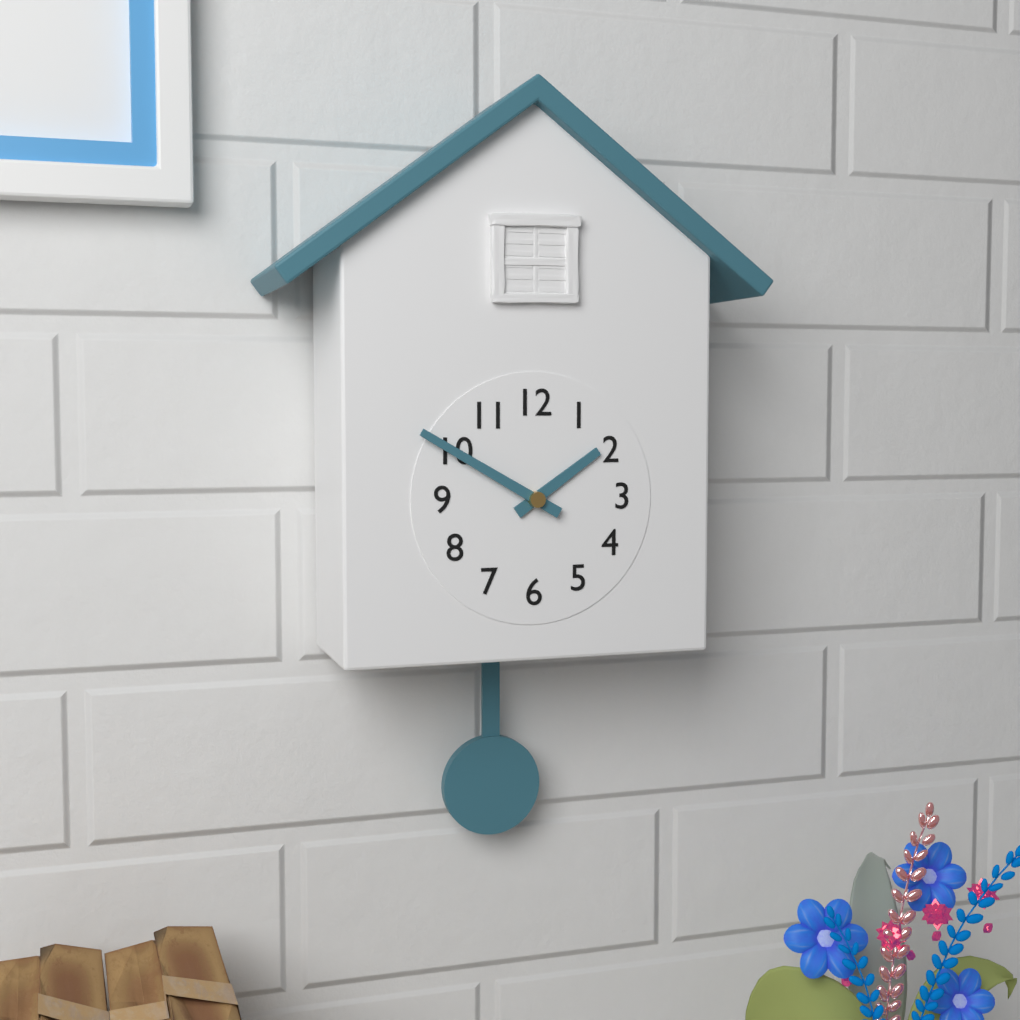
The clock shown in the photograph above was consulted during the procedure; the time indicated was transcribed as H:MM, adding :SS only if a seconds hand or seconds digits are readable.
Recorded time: 1:50
